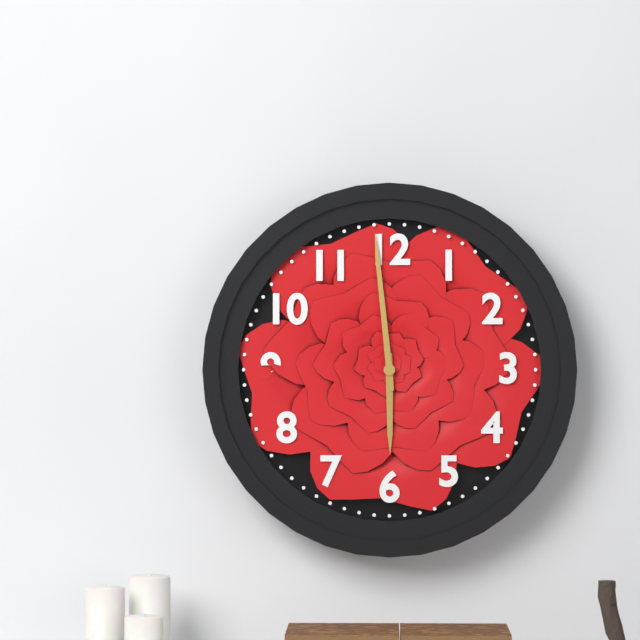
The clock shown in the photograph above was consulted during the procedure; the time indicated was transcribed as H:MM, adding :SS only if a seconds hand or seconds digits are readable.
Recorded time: 5:59
